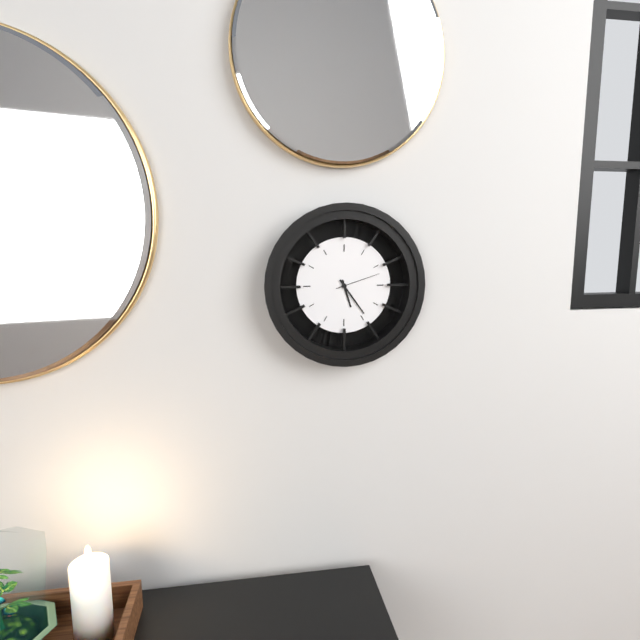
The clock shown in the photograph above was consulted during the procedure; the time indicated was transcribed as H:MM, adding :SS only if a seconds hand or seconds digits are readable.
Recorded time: 5:24
